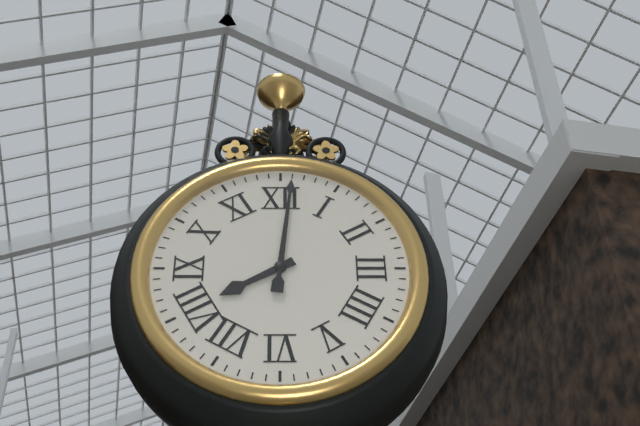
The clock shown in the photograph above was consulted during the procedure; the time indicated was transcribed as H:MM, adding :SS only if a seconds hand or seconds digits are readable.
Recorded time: 8:01
